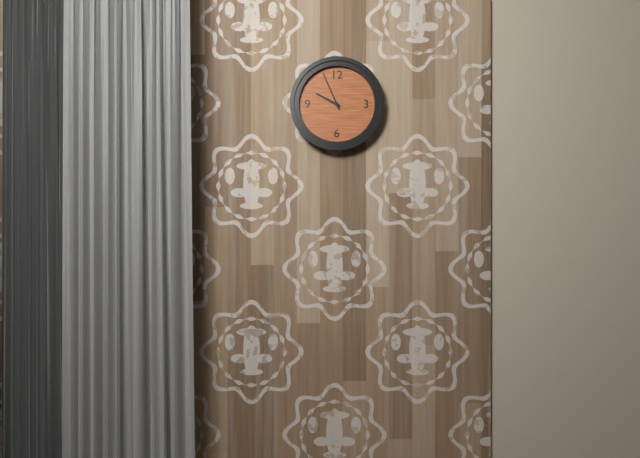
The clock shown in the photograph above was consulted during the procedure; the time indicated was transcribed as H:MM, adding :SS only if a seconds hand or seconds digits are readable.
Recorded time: 9:56
